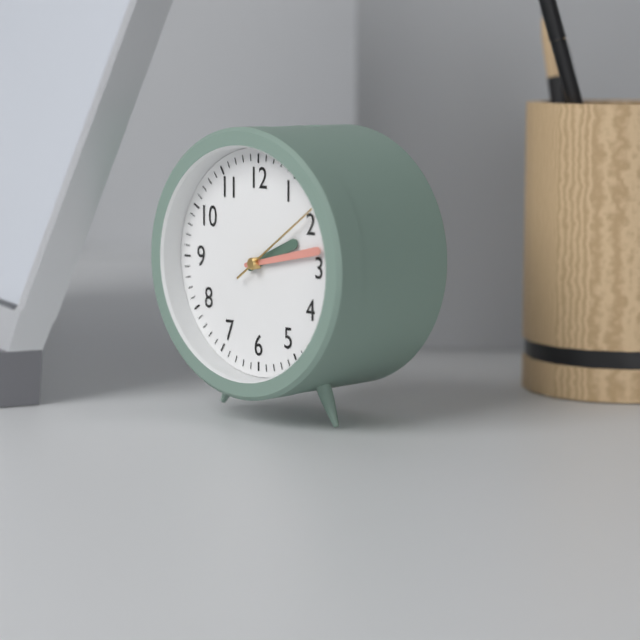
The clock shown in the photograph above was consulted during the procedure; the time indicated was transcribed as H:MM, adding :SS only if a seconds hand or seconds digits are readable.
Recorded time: 2:13:09
